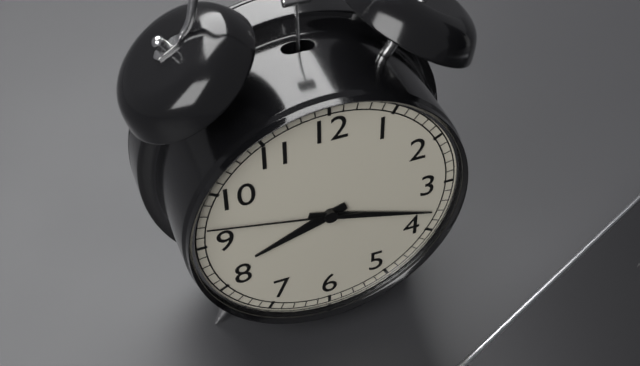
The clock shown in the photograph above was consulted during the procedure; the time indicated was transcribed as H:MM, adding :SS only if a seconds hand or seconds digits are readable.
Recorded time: 8:18:47
